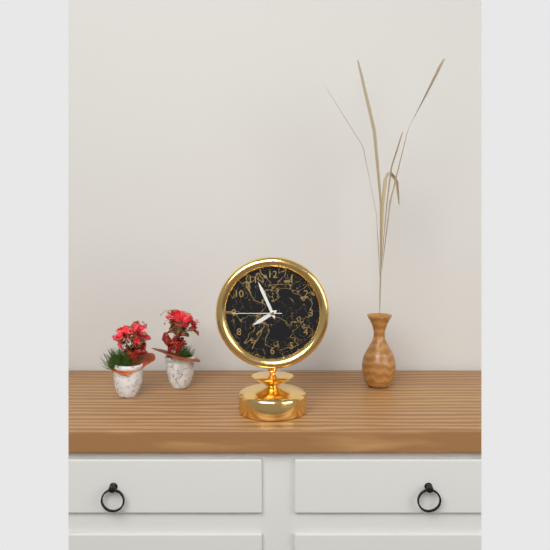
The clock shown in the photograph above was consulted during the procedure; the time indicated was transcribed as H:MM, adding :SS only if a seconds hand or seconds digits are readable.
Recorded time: 7:56:45
